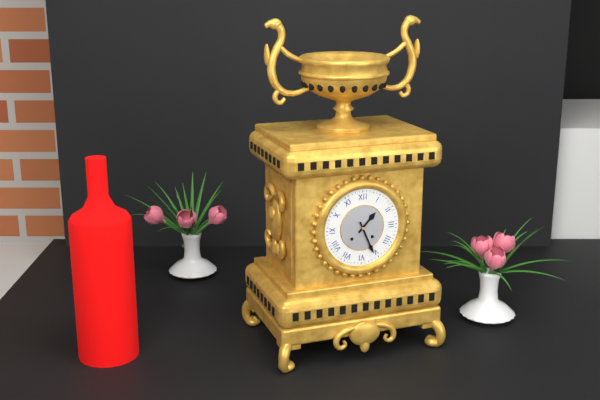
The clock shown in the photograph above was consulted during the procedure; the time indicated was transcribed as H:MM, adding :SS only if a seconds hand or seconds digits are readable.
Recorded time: 1:26
